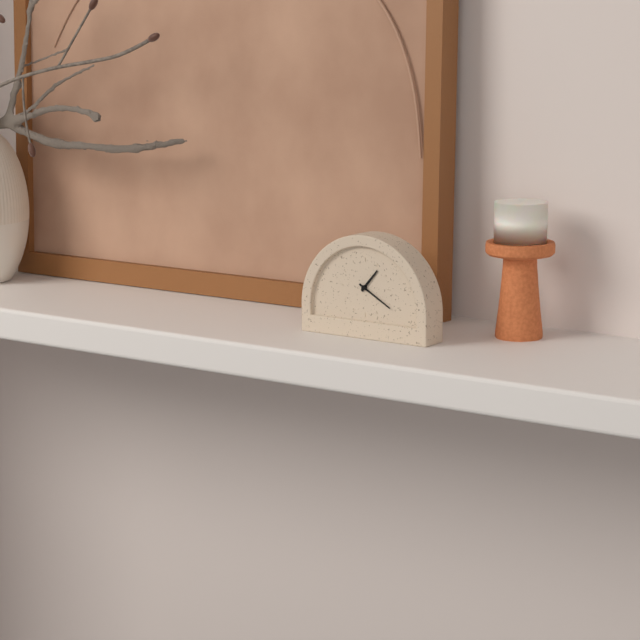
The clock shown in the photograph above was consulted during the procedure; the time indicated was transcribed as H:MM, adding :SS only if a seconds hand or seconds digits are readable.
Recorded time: 1:20
